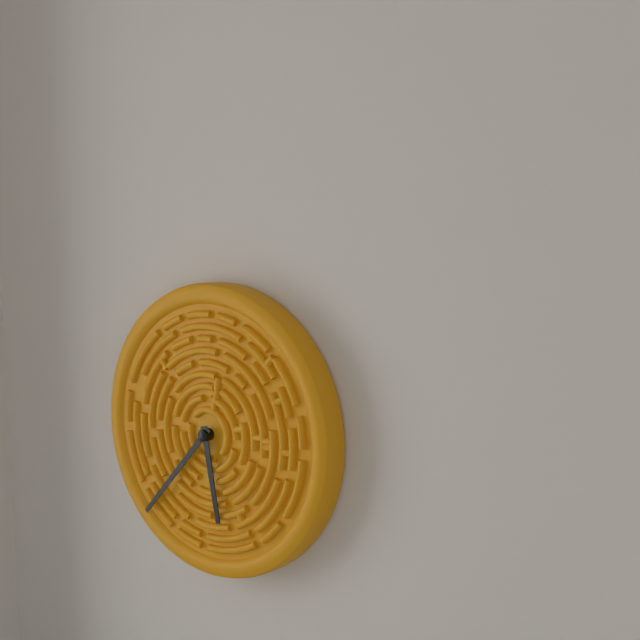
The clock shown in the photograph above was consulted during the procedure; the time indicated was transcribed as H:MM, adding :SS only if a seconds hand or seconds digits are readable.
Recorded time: 5:37
